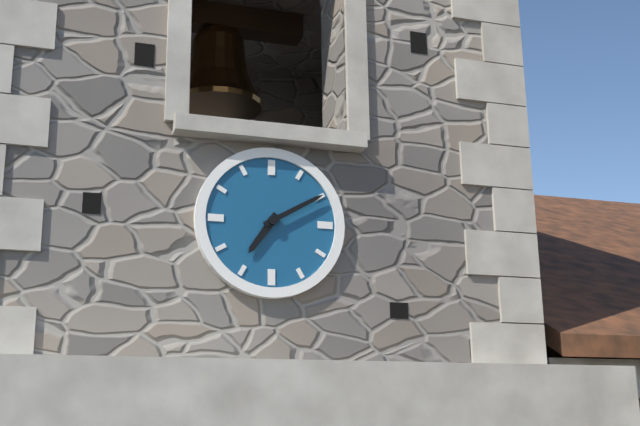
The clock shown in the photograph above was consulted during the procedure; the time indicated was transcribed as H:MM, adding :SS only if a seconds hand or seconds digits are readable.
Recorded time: 7:10
